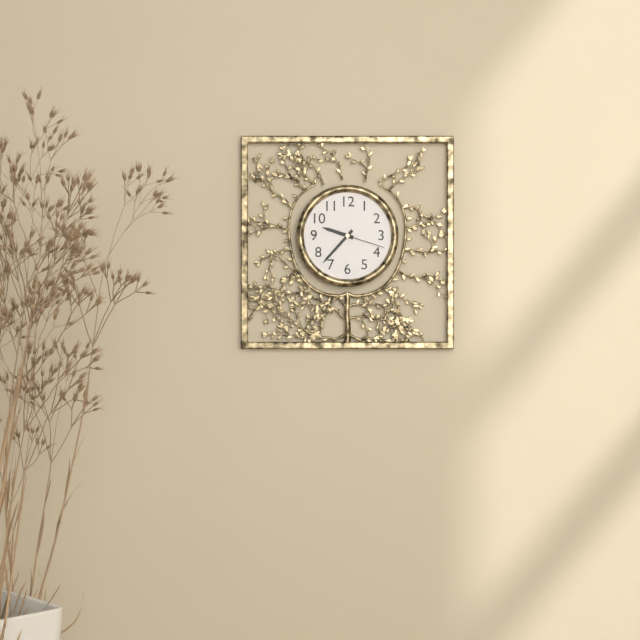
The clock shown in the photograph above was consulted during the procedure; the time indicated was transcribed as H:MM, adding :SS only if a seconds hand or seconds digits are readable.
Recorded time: 9:37
